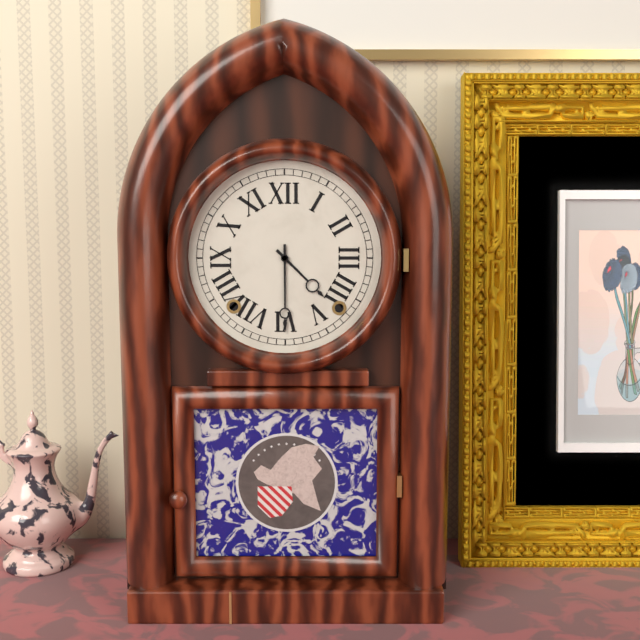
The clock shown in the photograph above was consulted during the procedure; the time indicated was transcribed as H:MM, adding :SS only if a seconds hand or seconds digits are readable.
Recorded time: 4:30
